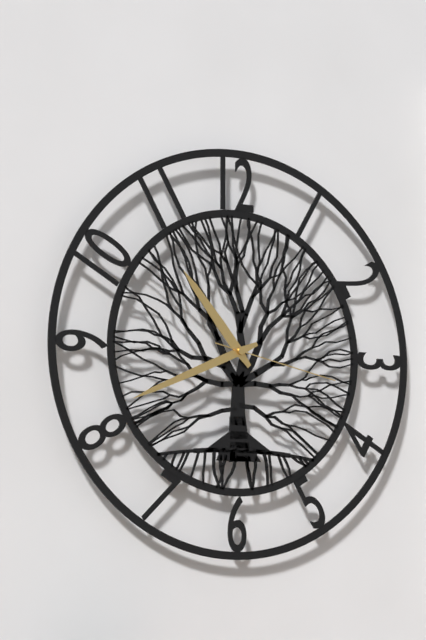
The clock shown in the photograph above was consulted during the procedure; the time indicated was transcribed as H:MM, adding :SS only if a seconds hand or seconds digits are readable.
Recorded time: 10:41:17
